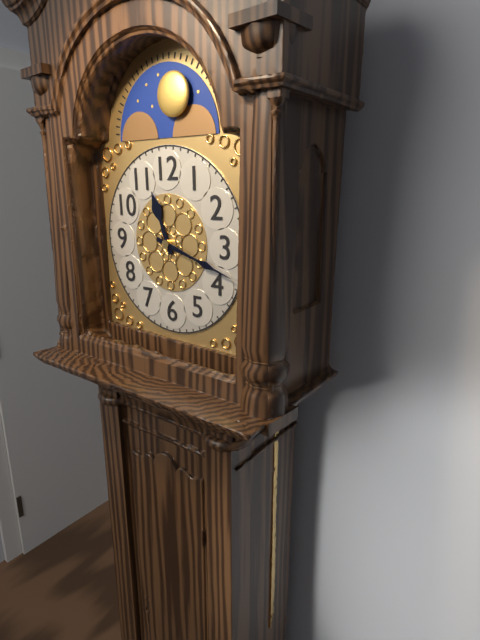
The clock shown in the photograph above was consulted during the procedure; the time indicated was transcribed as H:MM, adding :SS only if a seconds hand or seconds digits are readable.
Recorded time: 11:18
